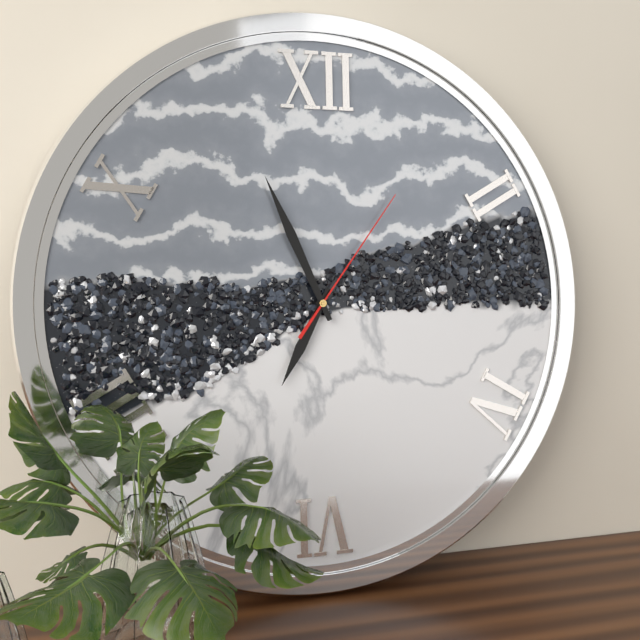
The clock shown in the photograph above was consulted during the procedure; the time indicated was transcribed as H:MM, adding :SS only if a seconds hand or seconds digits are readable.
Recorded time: 6:56:06
